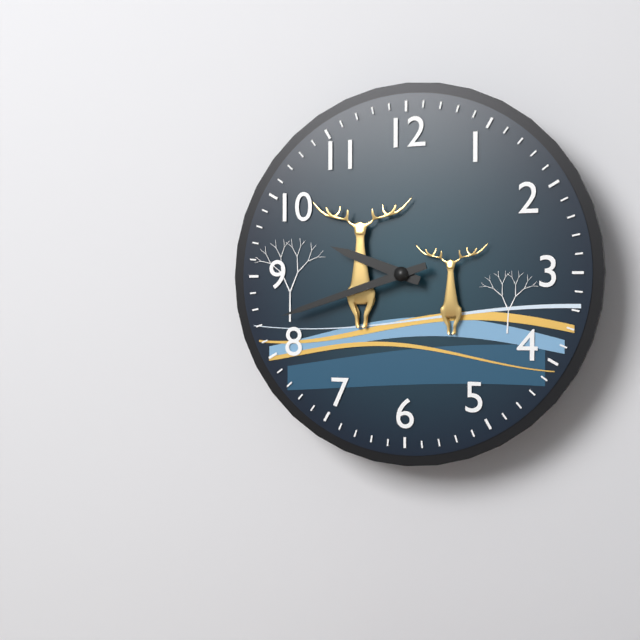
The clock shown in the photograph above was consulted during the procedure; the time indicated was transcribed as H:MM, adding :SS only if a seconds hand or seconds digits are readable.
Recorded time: 9:42
